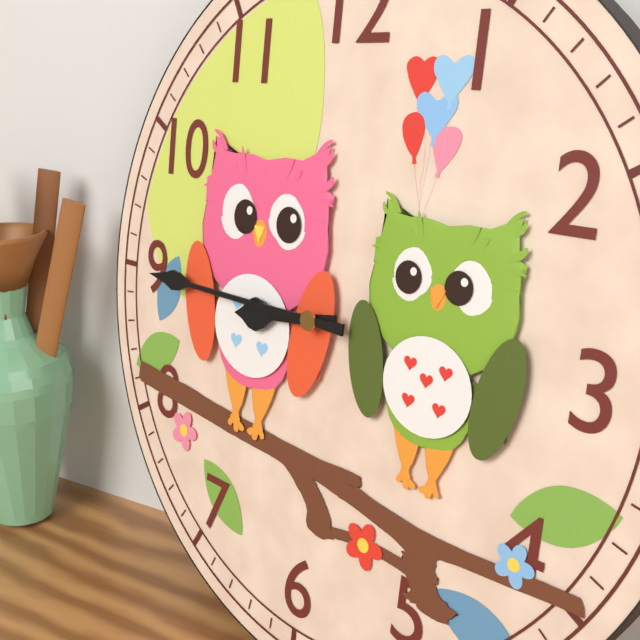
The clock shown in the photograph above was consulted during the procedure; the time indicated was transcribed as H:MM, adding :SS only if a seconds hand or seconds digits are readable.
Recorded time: 8:45
